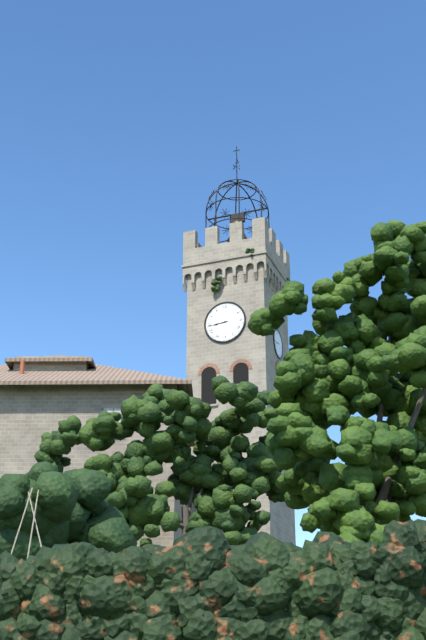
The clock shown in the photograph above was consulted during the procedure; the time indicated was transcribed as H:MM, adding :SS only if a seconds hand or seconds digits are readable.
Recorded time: 8:44
